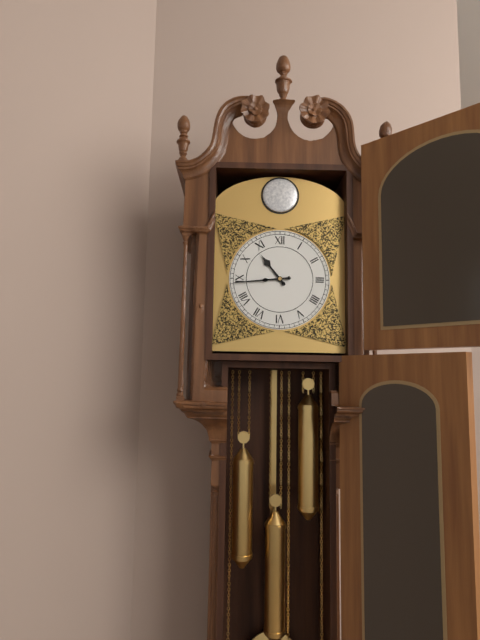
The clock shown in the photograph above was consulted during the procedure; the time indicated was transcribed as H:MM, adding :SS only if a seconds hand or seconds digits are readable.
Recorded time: 10:44
